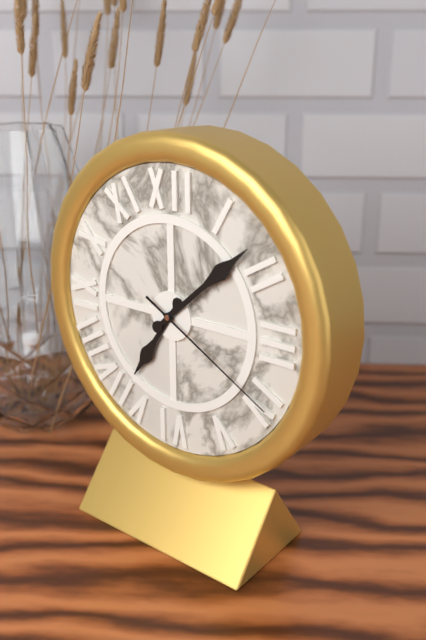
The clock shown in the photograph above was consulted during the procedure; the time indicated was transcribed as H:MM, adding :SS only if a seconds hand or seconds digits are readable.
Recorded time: 7:08:20
